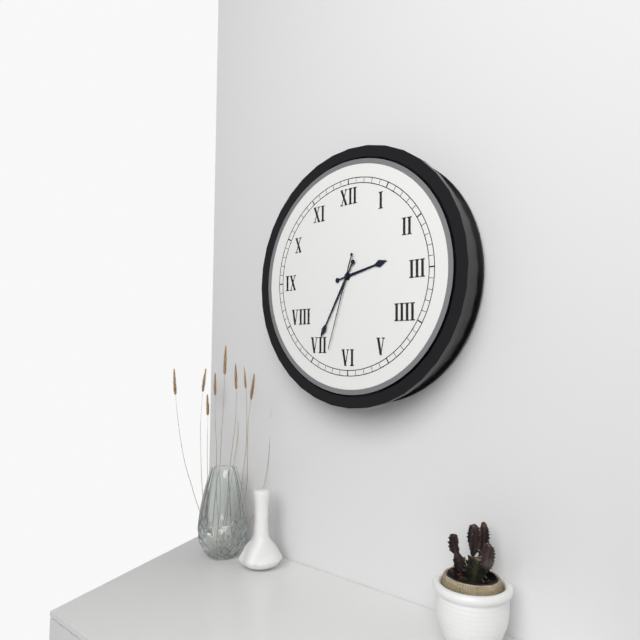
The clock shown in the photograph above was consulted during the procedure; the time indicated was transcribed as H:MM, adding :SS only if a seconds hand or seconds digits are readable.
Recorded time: 2:35:33
